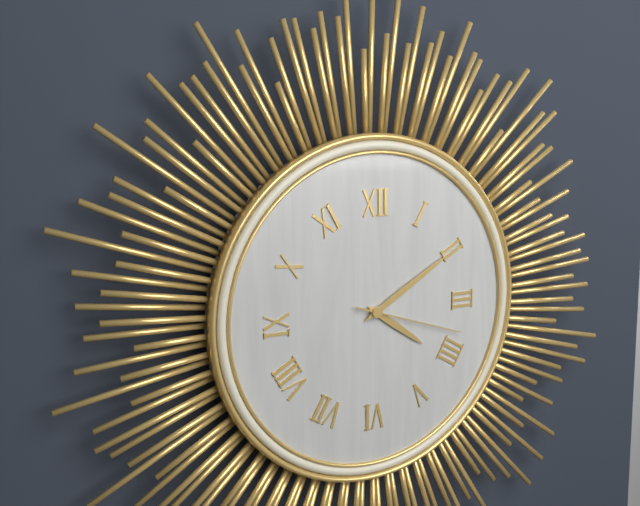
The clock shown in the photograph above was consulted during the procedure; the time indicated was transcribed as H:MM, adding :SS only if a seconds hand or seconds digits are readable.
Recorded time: 4:10:18
